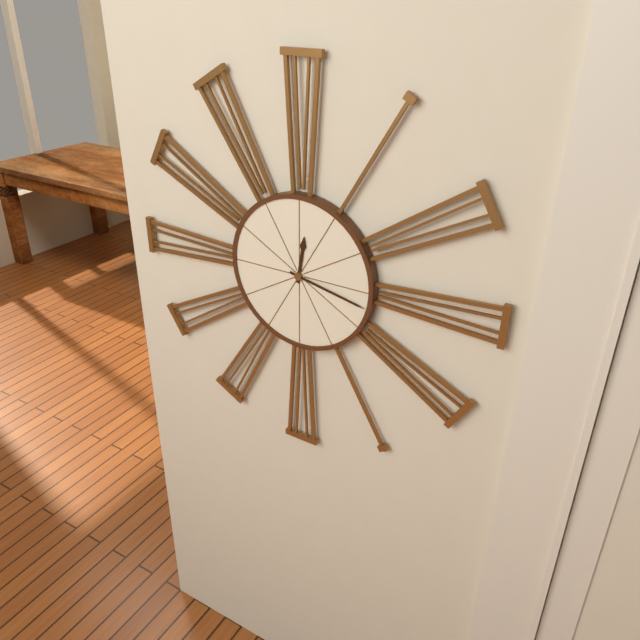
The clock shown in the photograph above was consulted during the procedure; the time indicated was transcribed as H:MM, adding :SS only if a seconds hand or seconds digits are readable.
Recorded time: 12:17
